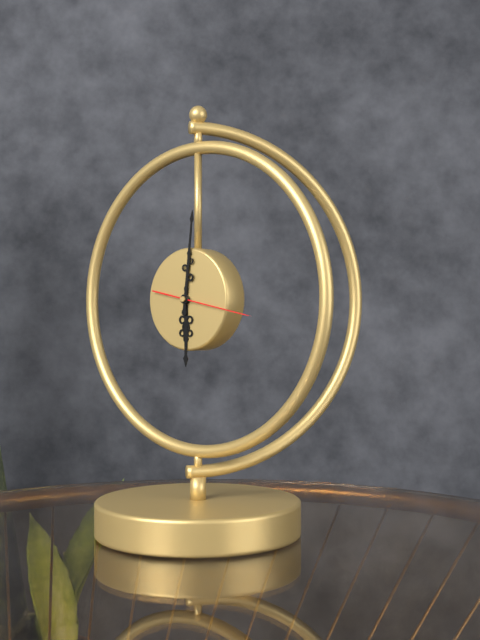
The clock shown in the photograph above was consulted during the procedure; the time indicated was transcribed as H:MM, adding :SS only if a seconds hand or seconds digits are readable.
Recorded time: 6:01:17
